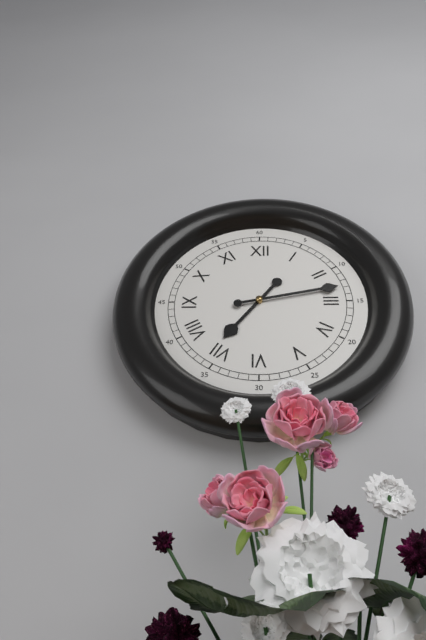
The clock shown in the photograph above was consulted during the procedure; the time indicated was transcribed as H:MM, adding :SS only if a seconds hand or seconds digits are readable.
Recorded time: 7:13
